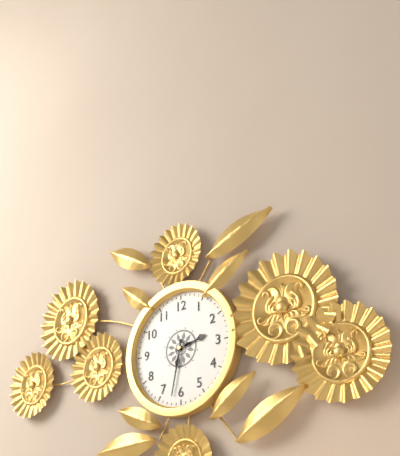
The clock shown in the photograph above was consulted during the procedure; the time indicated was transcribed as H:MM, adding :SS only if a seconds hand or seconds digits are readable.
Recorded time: 2:32
